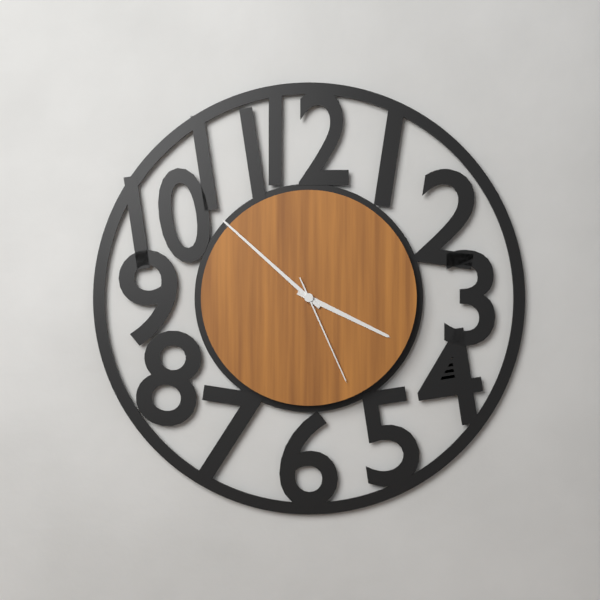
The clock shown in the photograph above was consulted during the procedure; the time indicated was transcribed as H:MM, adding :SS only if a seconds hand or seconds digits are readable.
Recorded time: 3:52:26
